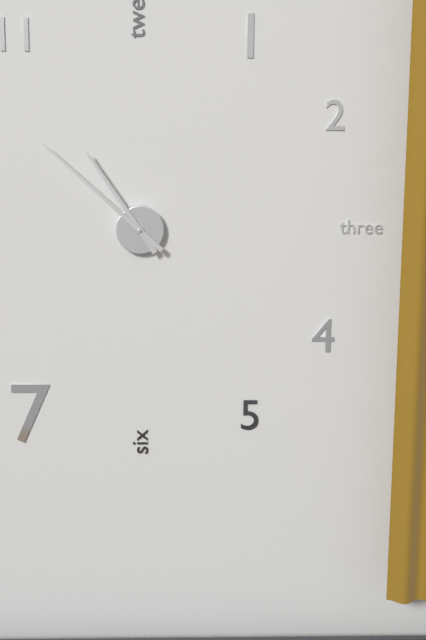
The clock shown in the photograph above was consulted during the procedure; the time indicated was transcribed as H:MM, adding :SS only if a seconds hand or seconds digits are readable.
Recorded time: 10:52
